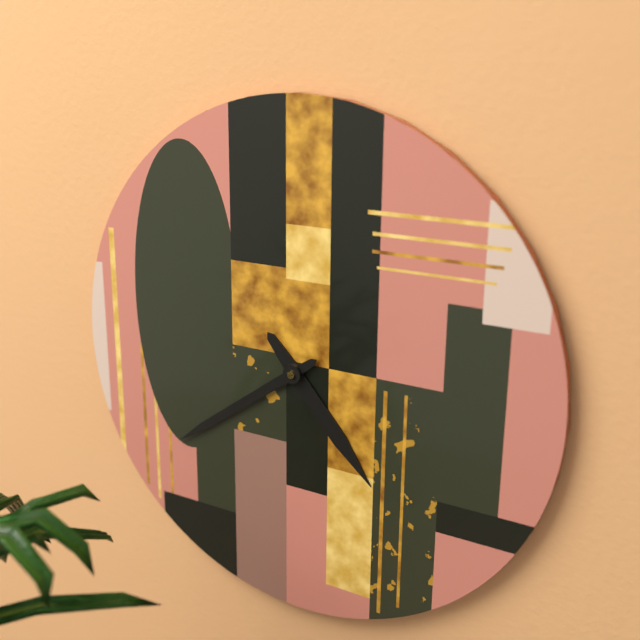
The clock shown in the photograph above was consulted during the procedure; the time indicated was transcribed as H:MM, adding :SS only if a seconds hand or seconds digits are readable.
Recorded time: 4:39
